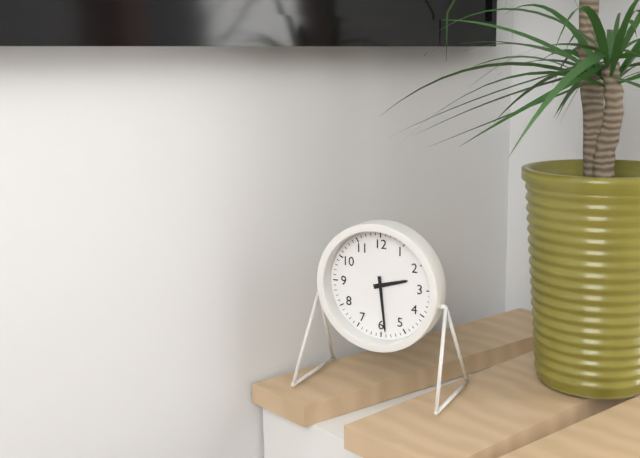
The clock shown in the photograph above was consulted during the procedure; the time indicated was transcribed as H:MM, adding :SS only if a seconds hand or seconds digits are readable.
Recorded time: 2:29
